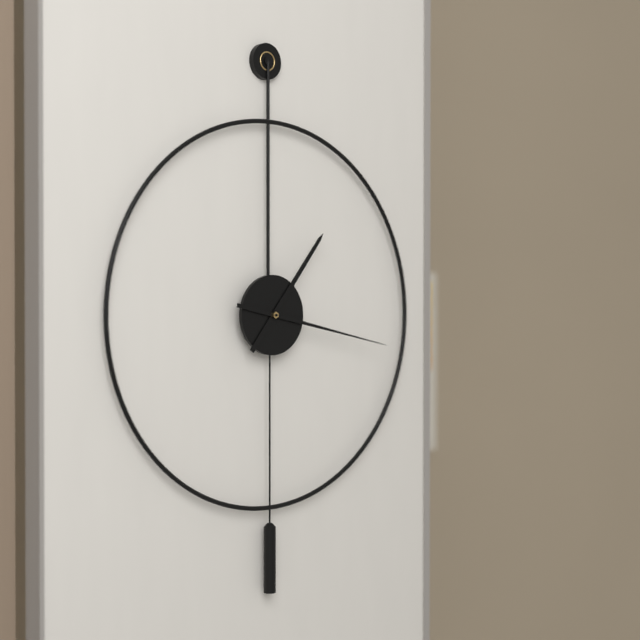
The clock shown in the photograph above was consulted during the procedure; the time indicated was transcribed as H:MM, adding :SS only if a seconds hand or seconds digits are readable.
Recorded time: 1:17
